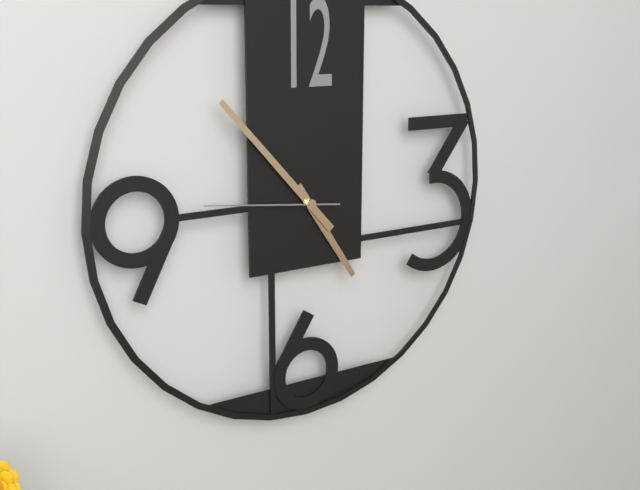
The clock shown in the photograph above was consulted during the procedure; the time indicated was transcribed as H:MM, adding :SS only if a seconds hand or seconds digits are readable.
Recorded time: 4:53:46
